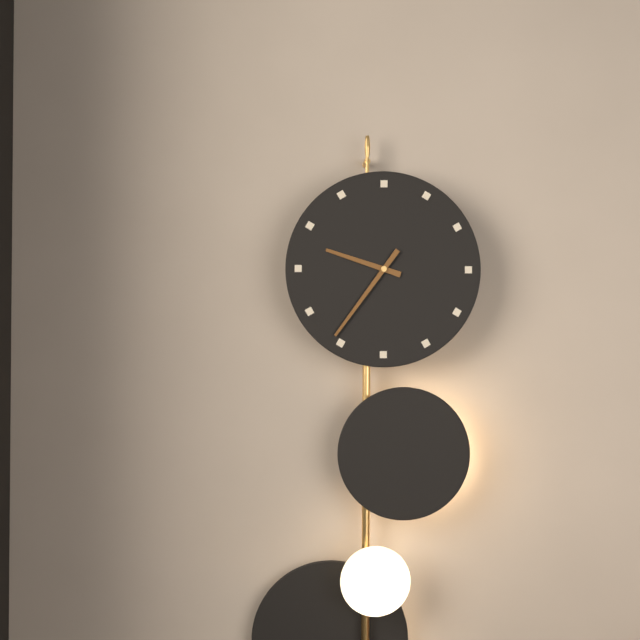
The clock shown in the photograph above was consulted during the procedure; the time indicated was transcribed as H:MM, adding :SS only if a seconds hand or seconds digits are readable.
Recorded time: 9:36
